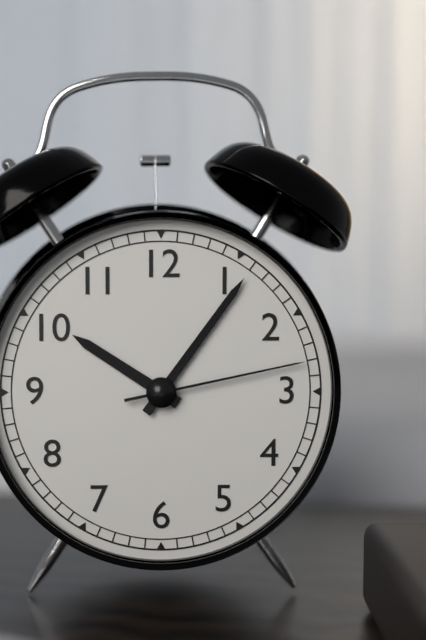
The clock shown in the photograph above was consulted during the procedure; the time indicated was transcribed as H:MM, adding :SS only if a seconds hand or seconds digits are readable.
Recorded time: 10:06:13
